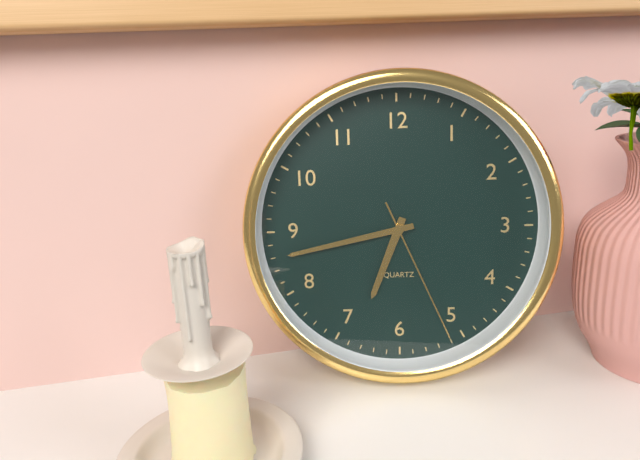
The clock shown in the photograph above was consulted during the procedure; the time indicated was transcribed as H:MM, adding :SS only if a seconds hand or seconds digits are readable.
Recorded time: 6:43:26
